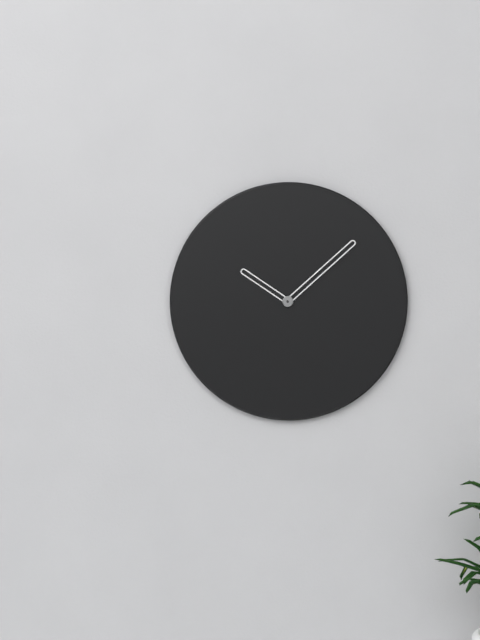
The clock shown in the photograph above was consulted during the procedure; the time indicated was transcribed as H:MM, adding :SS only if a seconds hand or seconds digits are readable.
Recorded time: 10:08
